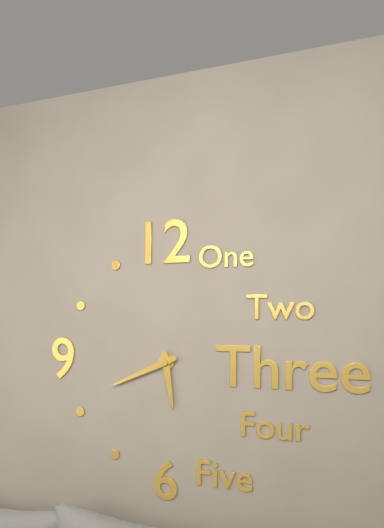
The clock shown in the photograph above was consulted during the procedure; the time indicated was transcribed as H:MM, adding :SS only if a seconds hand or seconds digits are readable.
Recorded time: 5:41
